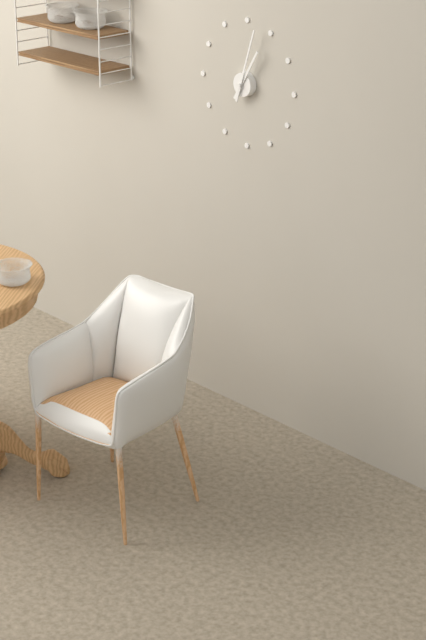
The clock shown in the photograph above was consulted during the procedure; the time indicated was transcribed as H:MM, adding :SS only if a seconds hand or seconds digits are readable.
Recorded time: 1:03
